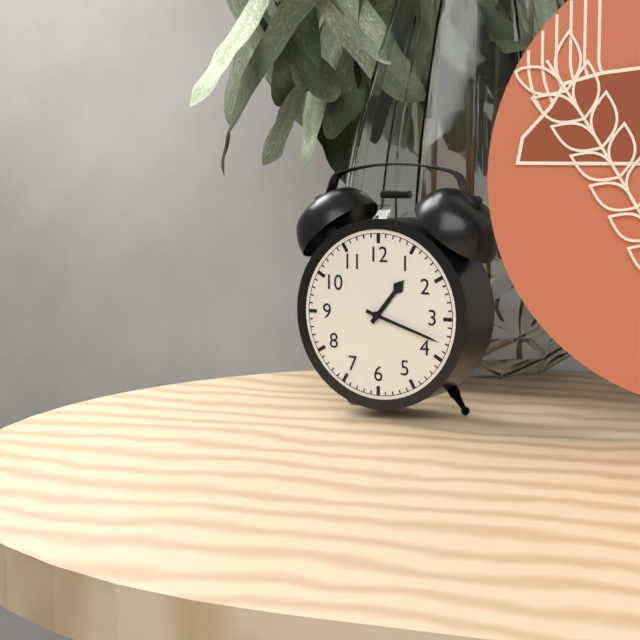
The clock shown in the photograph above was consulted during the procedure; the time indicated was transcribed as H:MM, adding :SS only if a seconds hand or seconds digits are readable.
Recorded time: 1:18
